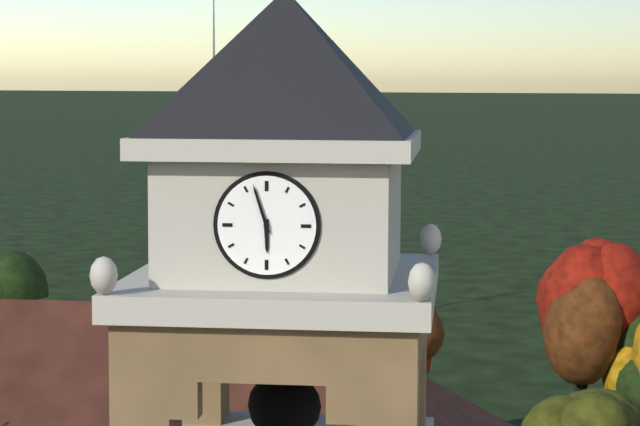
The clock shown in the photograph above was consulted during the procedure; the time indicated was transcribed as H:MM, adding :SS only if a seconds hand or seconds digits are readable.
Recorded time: 5:57
